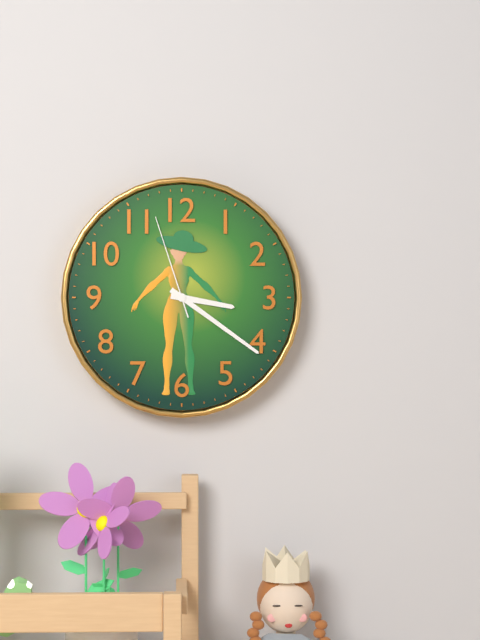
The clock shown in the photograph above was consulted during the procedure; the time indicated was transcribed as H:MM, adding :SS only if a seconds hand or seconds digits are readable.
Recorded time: 3:21:57
